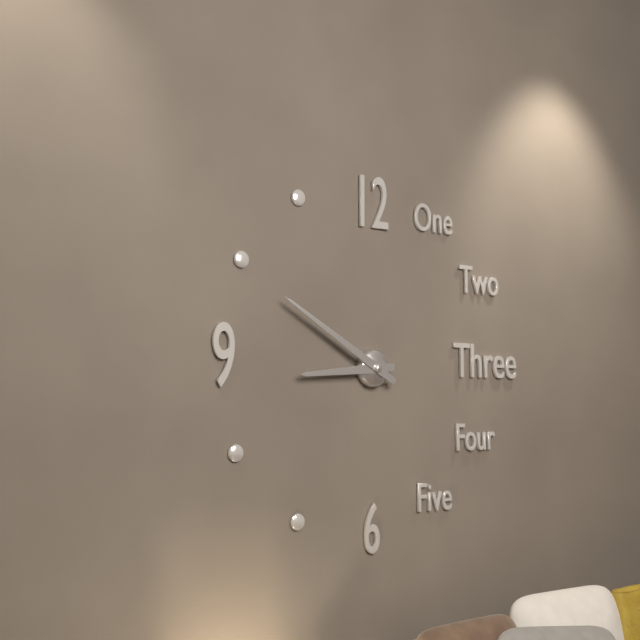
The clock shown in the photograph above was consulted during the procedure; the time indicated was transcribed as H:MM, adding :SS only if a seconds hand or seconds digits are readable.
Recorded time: 8:50
